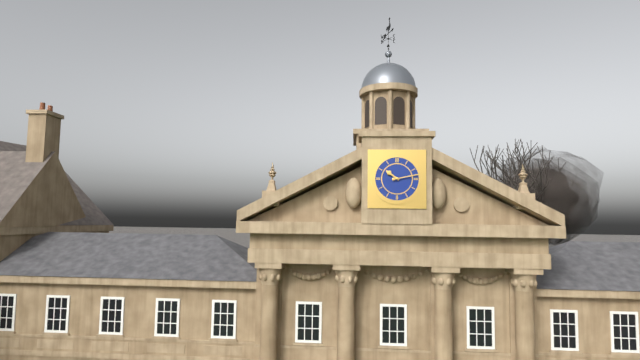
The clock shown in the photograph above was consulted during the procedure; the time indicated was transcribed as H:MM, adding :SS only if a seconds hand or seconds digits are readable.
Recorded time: 10:13
